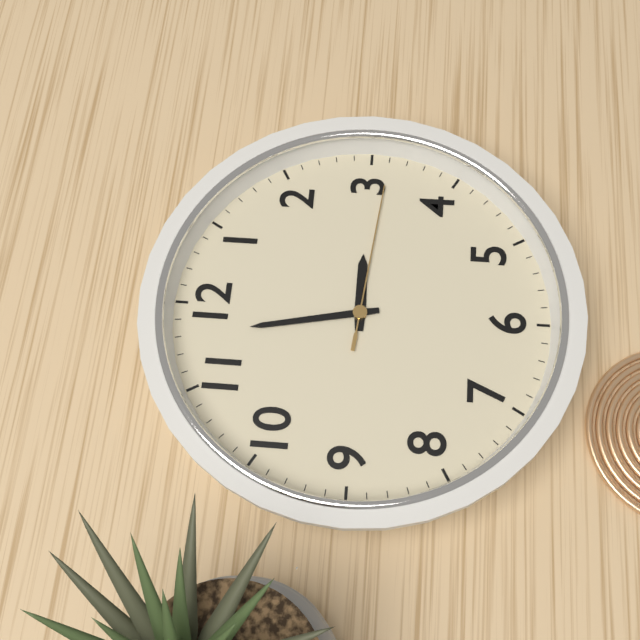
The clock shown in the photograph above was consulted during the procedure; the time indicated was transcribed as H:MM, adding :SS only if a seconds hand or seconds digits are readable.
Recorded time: 2:58:16
